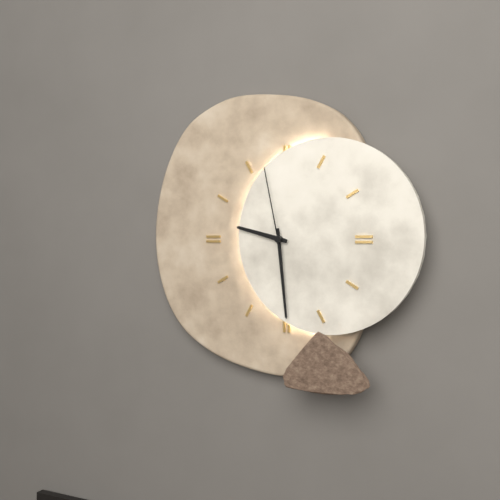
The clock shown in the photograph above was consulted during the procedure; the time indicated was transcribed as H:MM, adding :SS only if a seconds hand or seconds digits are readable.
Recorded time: 9:29:58
